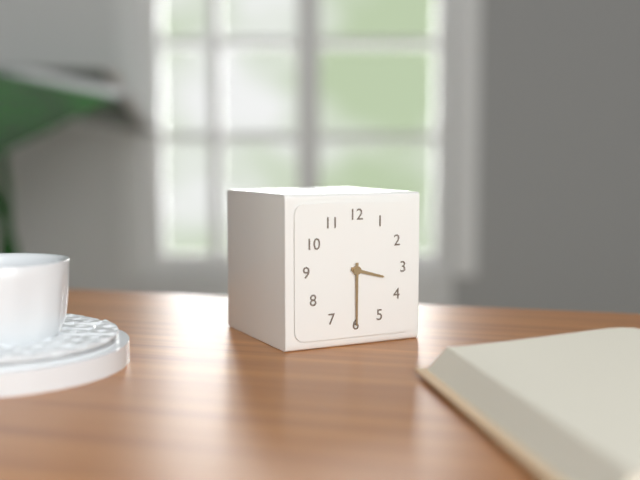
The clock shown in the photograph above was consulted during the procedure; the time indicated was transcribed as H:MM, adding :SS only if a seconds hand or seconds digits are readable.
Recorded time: 3:30
